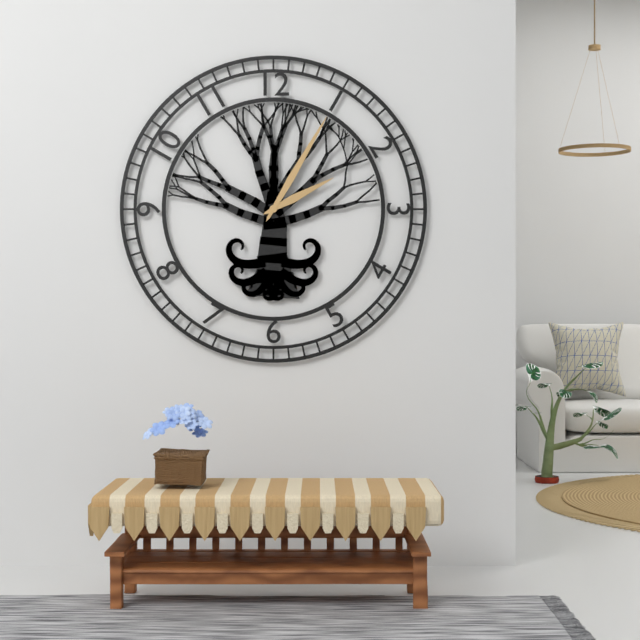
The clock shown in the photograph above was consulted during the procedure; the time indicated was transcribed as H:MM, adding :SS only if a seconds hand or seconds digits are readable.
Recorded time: 2:05
